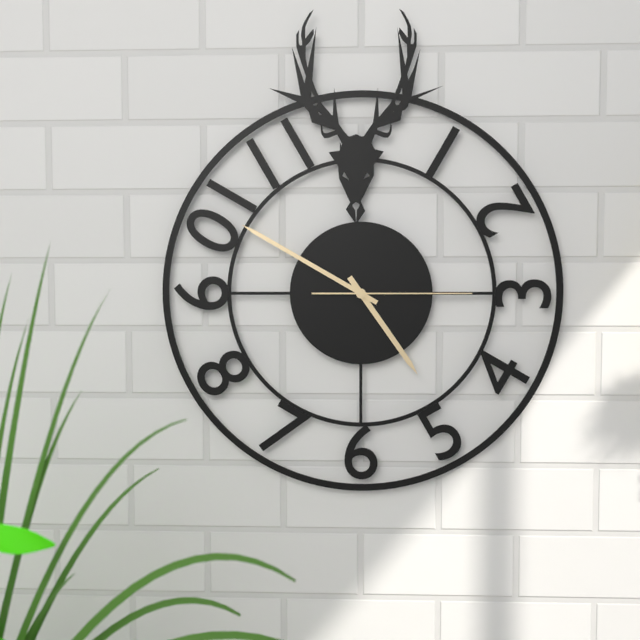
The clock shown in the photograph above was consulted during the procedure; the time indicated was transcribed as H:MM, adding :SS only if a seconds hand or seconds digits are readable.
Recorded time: 4:50:15
